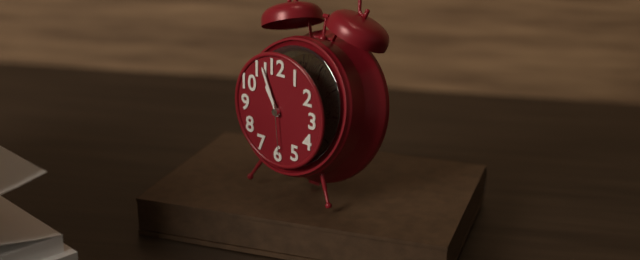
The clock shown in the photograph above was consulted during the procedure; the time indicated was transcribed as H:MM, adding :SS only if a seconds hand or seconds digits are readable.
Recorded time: 10:56:29
